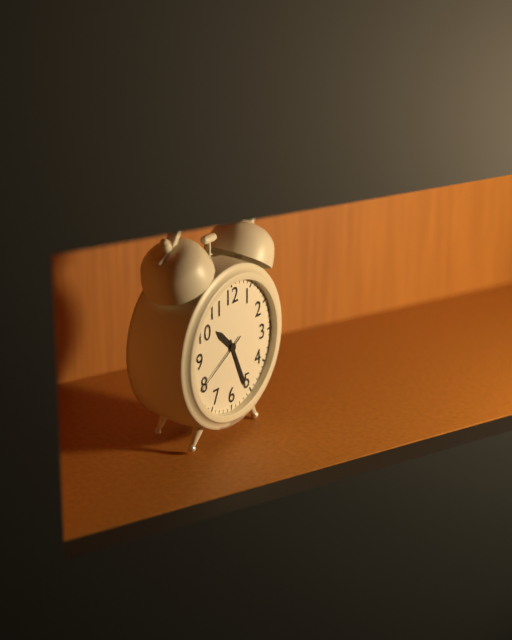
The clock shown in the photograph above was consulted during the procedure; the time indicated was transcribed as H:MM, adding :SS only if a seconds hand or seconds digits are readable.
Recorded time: 10:26:40
